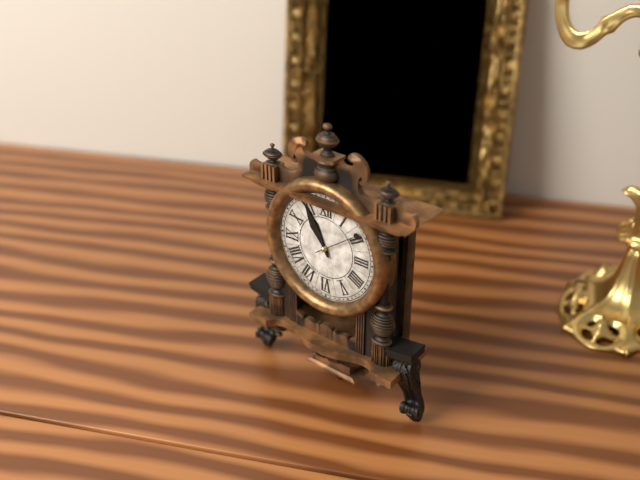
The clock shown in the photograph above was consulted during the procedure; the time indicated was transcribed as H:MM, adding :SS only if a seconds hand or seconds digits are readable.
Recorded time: 10:55
